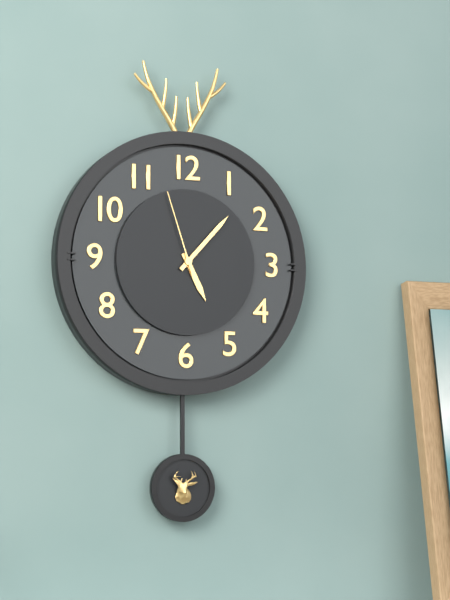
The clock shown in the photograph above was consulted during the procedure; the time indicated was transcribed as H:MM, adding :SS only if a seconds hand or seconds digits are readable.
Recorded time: 5:07:57
